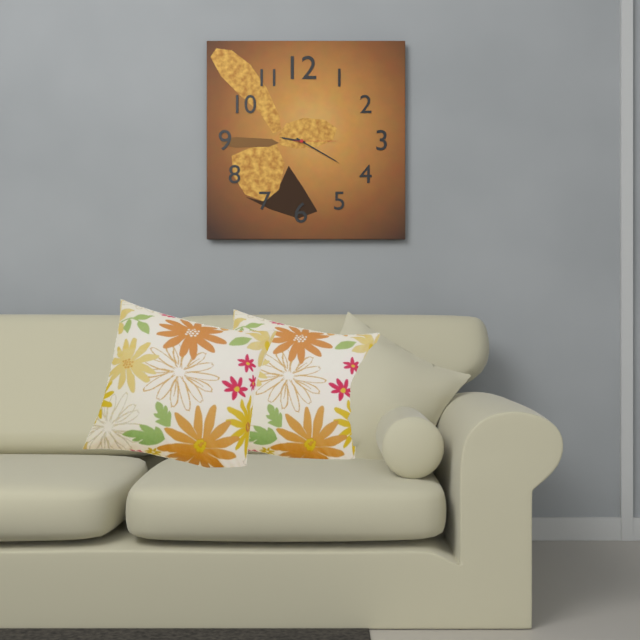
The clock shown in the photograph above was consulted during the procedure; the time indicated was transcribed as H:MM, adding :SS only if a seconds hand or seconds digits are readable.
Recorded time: 9:20
